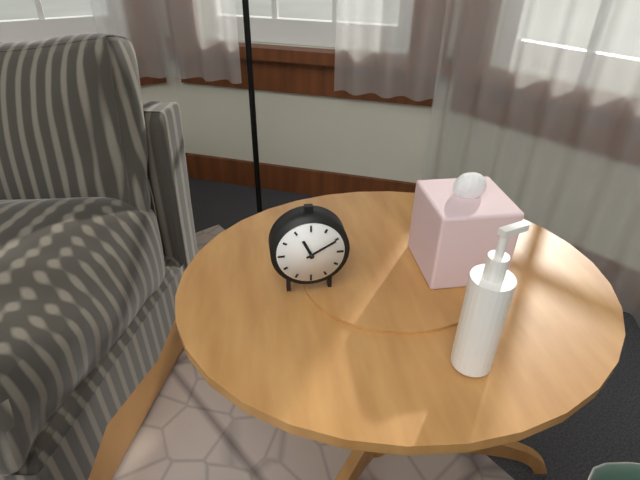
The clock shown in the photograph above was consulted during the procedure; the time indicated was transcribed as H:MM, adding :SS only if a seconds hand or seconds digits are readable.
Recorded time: 11:10
